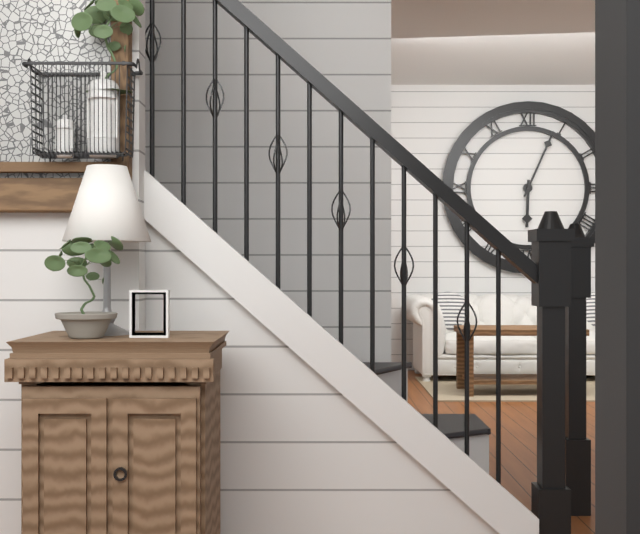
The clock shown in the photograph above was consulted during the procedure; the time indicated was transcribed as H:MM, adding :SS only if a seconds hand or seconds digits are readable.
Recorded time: 6:04
